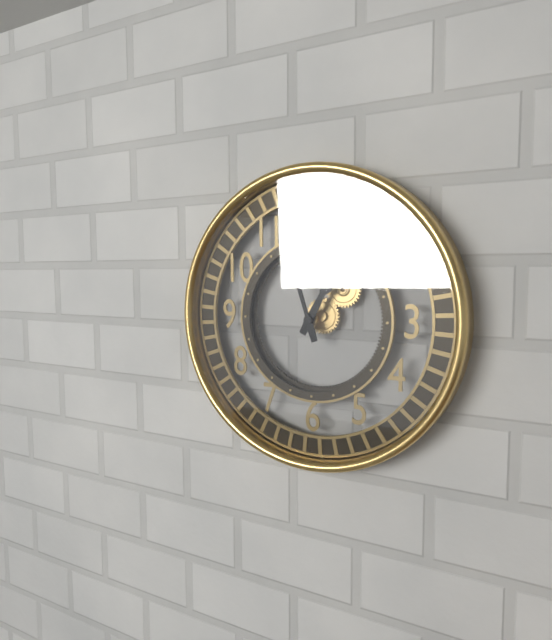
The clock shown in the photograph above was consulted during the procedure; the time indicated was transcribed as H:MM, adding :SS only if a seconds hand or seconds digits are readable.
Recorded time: 12:57
